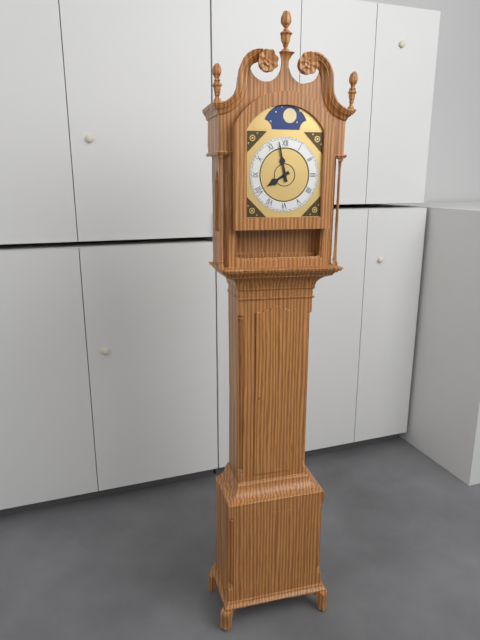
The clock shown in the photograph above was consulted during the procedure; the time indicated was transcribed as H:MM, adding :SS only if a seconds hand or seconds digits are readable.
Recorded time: 7:58
